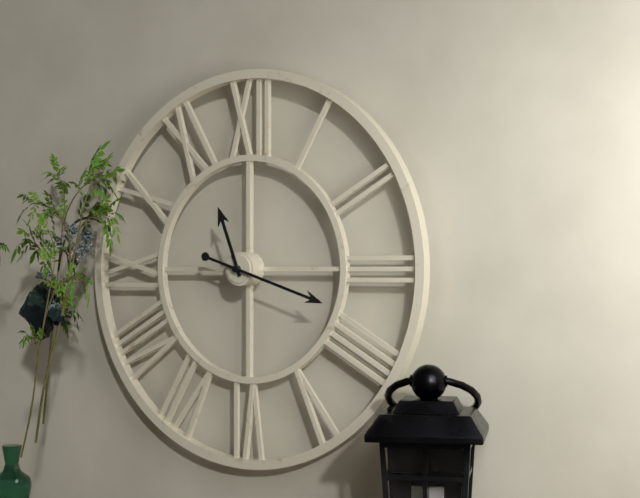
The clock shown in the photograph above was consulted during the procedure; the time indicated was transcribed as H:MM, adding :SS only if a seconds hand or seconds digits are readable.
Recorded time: 11:18
